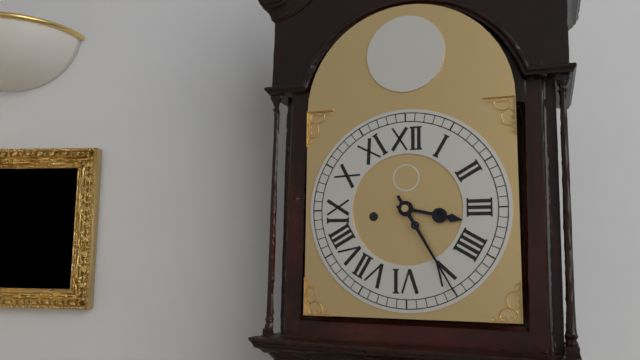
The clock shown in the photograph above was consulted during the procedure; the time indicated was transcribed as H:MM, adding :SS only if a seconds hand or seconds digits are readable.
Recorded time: 3:25
